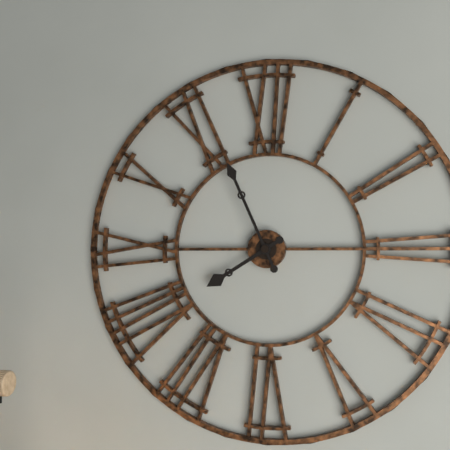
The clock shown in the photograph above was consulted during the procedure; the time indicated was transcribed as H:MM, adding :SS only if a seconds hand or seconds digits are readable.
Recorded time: 7:56
